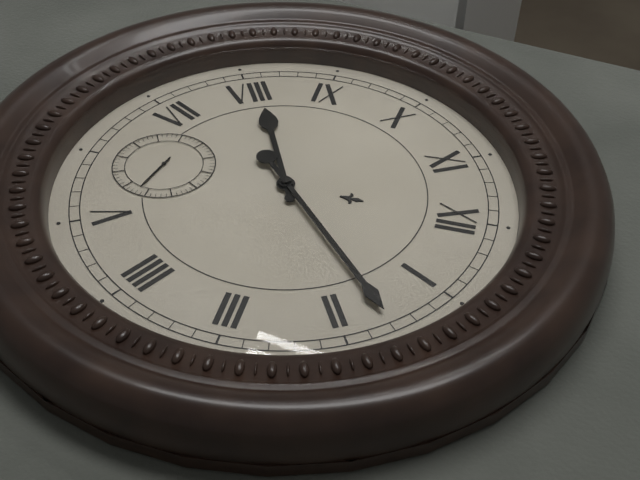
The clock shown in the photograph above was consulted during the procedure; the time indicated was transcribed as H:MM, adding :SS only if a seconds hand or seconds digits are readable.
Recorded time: 8:08
